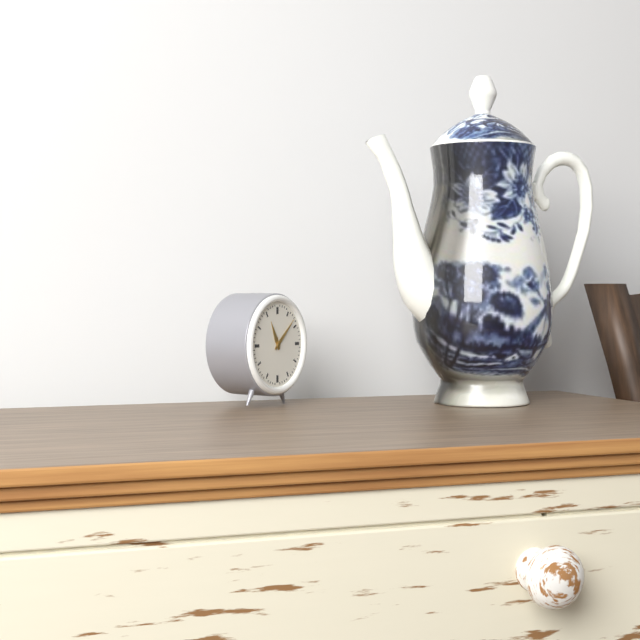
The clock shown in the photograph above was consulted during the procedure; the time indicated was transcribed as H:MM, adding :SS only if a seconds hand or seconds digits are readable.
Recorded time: 11:08
